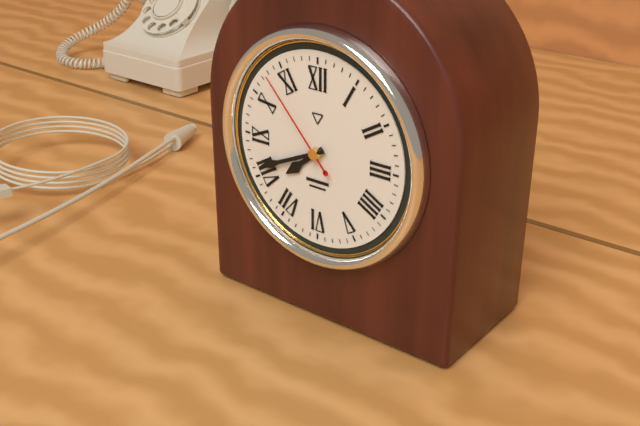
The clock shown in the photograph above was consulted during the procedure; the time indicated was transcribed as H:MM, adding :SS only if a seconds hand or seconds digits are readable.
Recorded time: 7:41:53
